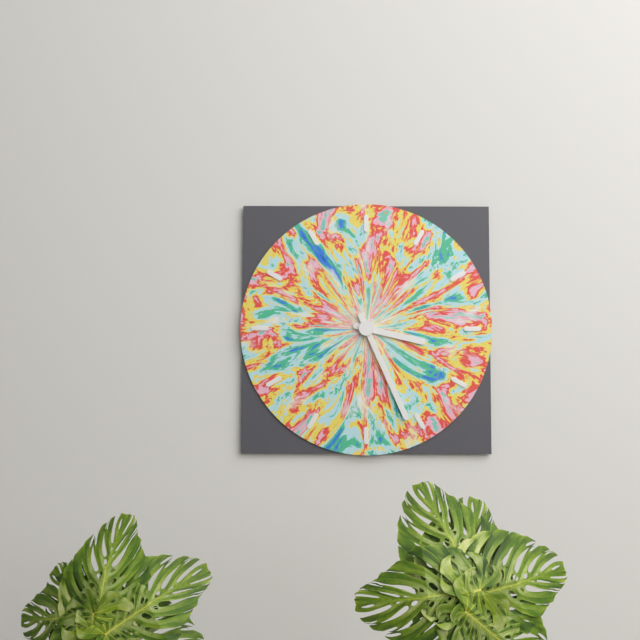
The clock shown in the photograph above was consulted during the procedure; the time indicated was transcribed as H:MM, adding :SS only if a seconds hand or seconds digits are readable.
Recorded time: 3:26
